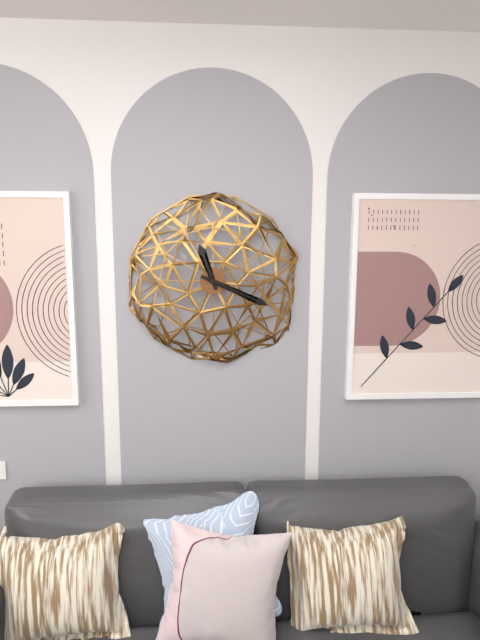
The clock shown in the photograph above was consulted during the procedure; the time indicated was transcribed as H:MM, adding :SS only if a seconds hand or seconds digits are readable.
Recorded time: 11:19
